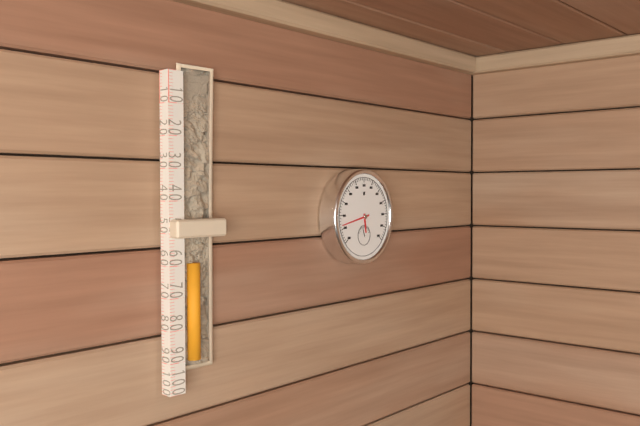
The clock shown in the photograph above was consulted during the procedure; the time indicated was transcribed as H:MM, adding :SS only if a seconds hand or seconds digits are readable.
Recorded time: 5:43
